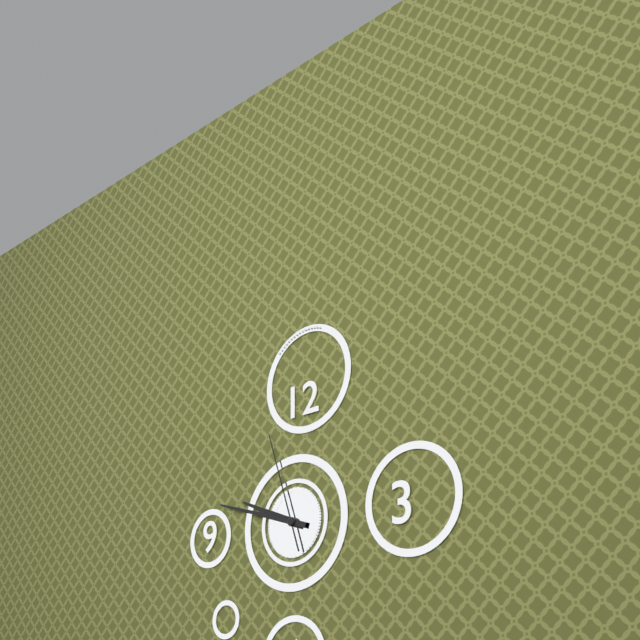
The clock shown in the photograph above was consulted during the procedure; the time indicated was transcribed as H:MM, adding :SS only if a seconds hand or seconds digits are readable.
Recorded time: 9:48:57
